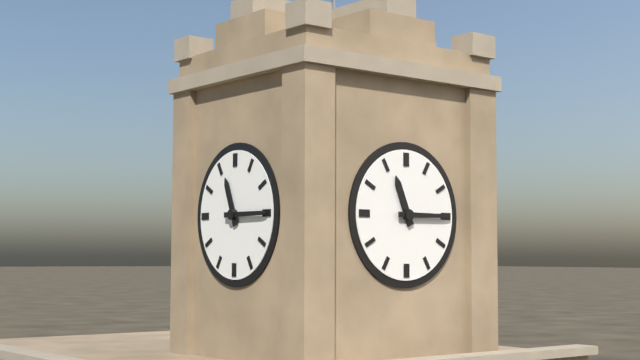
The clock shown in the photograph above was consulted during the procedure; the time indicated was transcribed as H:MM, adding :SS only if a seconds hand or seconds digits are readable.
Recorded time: 11:15
